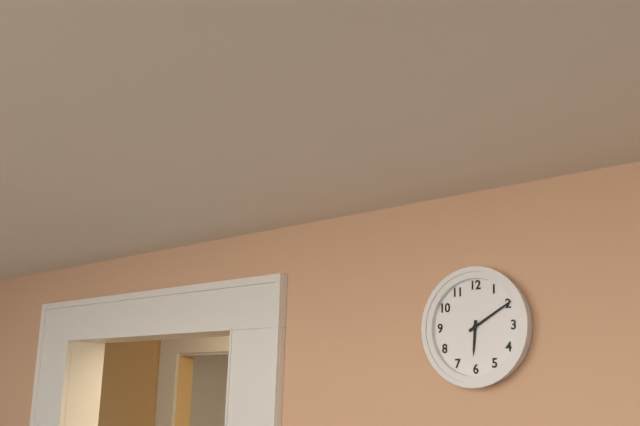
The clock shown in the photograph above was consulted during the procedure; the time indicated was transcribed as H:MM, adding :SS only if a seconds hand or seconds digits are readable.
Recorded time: 6:10
